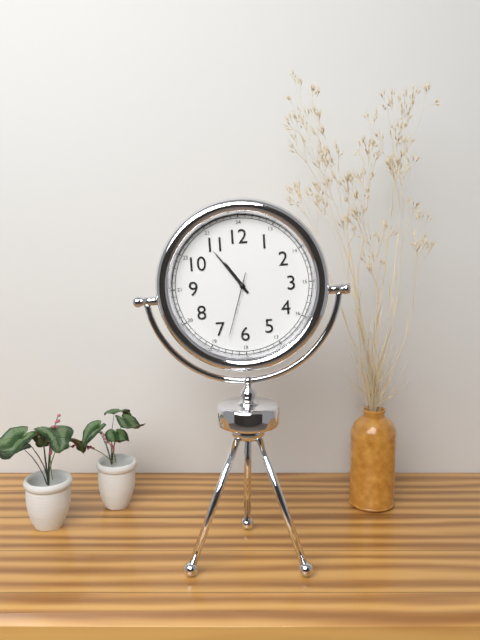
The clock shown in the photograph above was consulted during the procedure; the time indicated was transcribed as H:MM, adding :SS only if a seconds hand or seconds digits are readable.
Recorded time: 10:54:33
